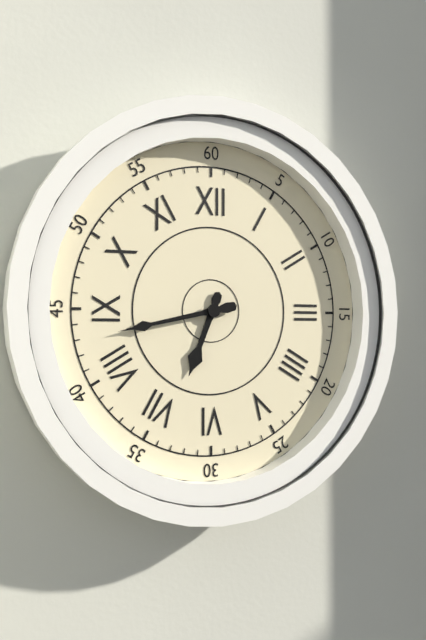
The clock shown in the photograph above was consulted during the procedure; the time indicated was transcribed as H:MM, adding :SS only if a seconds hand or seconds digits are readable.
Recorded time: 6:43
